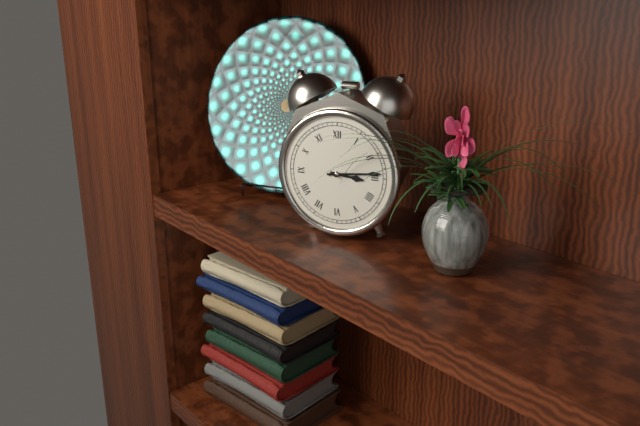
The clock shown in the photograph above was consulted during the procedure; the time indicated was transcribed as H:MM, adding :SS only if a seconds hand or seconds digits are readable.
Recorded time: 3:14
